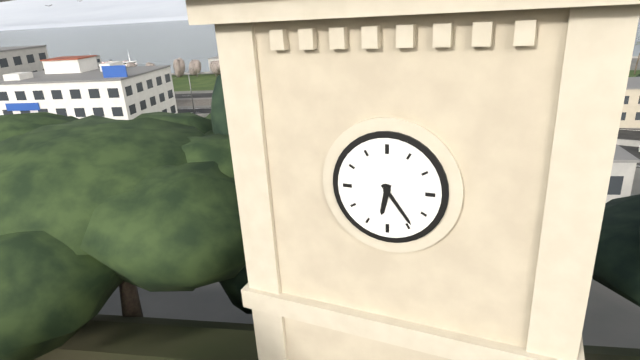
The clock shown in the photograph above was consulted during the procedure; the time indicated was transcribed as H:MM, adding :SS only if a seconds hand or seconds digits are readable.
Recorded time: 6:24
